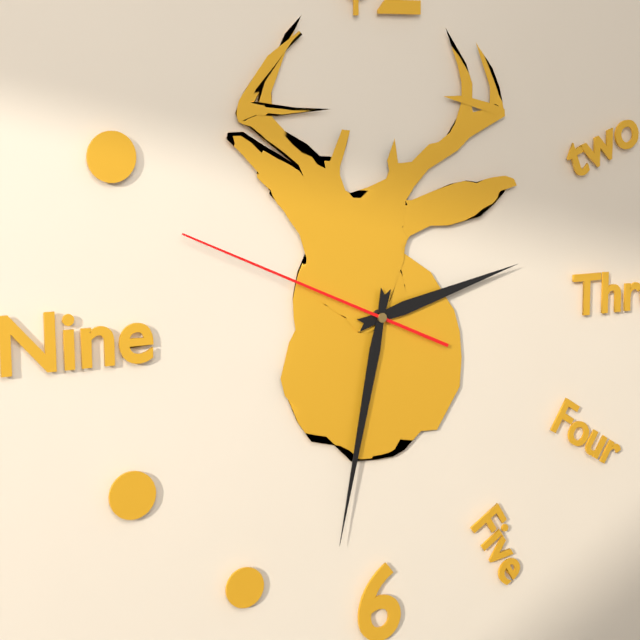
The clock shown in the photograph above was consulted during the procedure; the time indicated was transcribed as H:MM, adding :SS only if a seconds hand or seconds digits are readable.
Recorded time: 2:32:49
